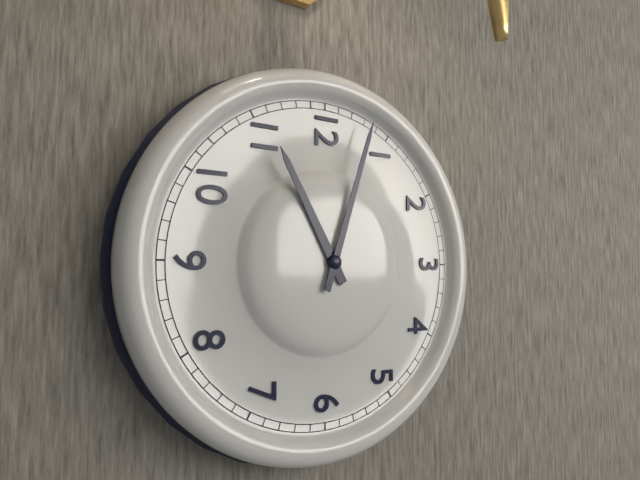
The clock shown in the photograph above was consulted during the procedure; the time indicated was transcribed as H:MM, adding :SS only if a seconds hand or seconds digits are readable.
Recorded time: 11:03
